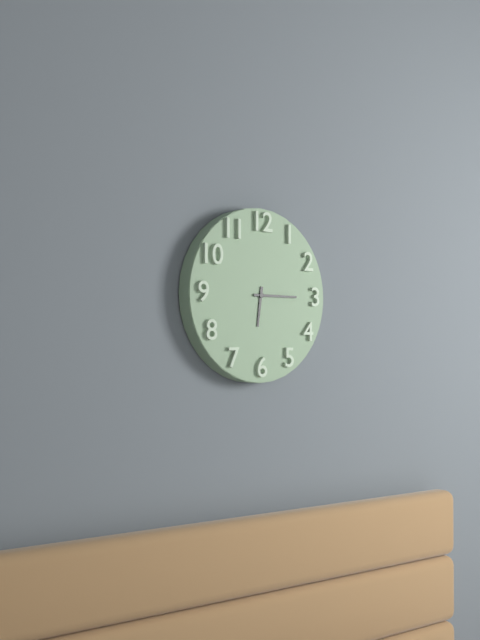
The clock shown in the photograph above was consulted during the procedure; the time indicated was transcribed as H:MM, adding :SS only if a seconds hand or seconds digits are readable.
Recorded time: 6:15
